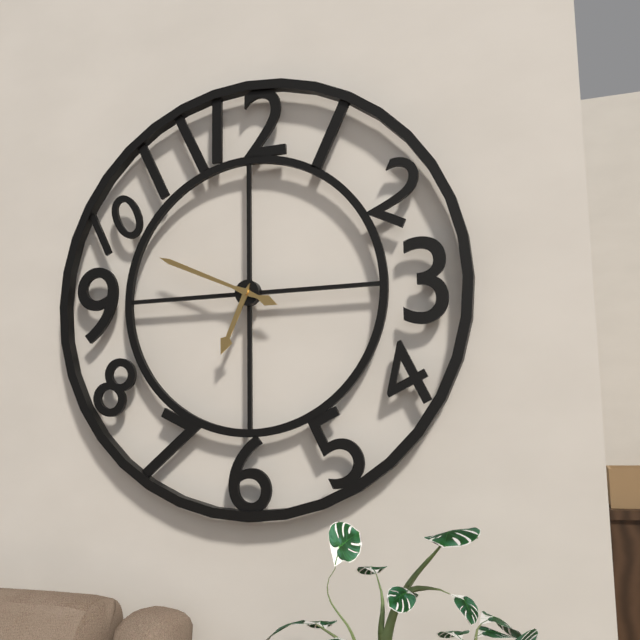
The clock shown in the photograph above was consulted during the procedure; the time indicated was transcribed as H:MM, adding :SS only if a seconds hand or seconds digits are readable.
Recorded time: 6:49
